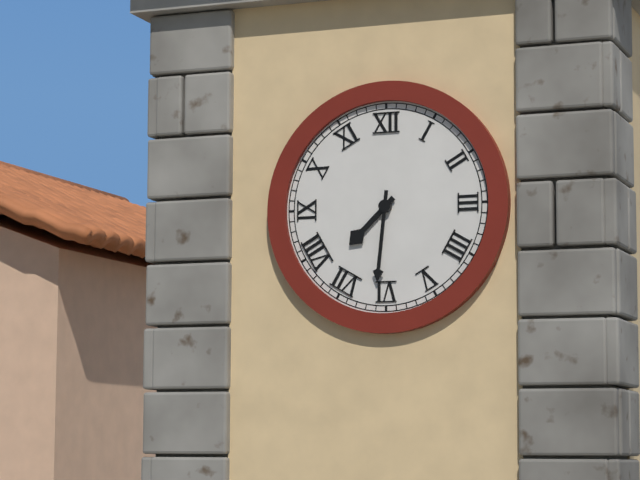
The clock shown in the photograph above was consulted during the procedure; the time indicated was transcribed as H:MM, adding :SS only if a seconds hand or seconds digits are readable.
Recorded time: 7:31
